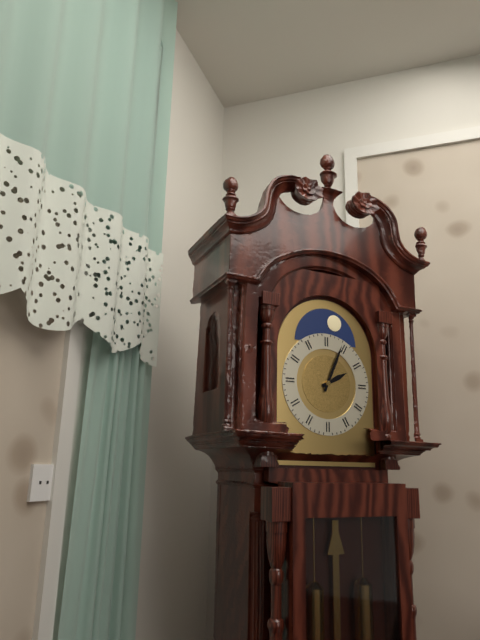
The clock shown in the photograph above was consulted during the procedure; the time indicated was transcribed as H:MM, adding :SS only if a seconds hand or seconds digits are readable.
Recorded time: 2:04
